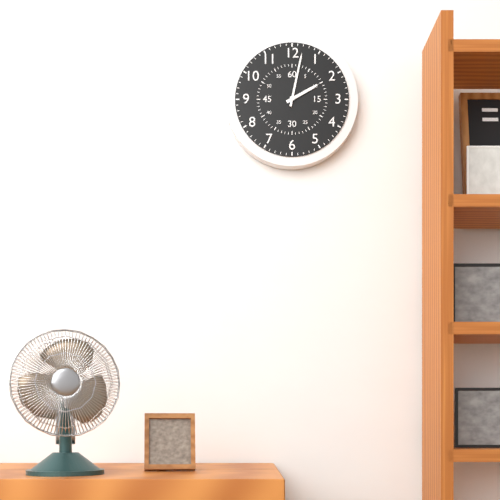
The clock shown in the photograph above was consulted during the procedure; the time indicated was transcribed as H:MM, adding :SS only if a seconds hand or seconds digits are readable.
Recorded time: 2:02
